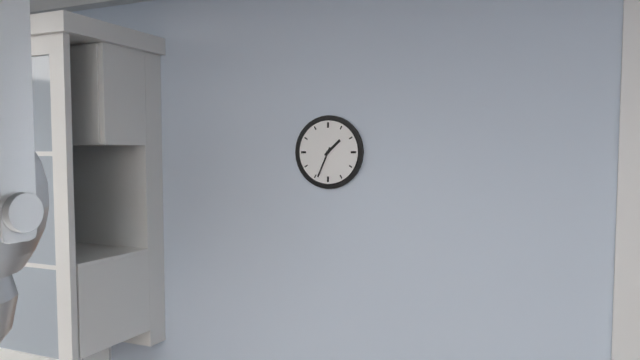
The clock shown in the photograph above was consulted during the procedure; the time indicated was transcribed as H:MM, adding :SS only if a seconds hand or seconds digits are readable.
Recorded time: 1:34
